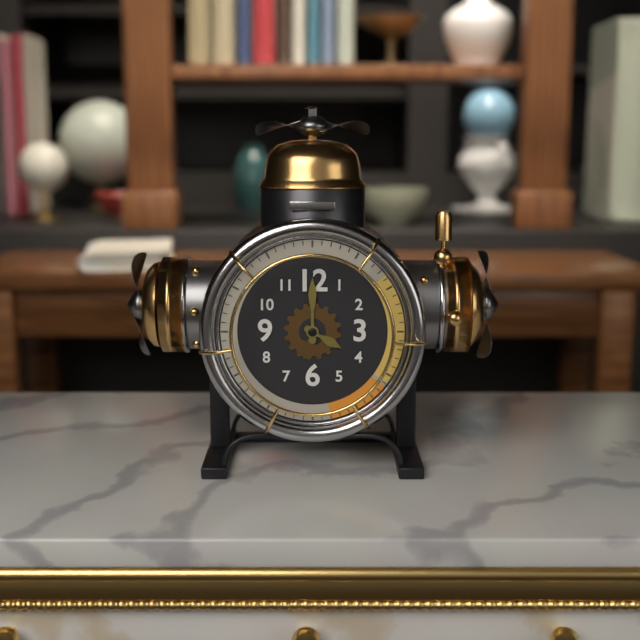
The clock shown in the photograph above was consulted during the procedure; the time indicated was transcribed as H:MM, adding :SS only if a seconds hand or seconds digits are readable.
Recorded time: 4:00
